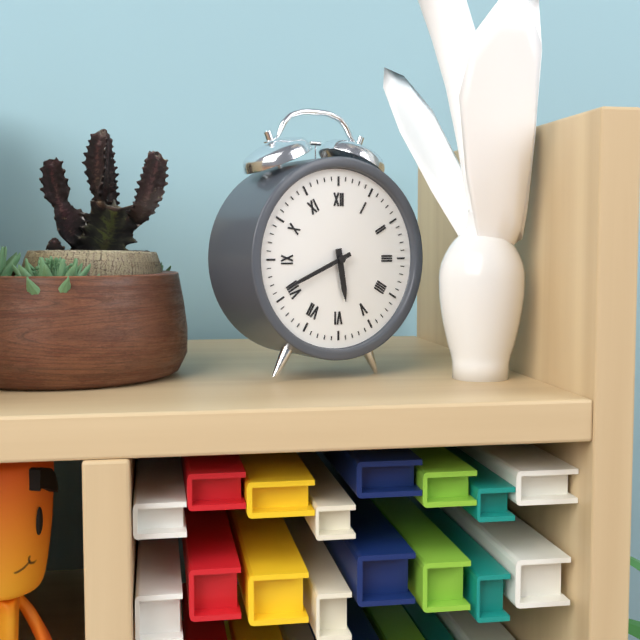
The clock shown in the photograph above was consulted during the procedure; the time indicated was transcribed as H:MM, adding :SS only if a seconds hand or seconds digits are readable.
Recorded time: 5:41
